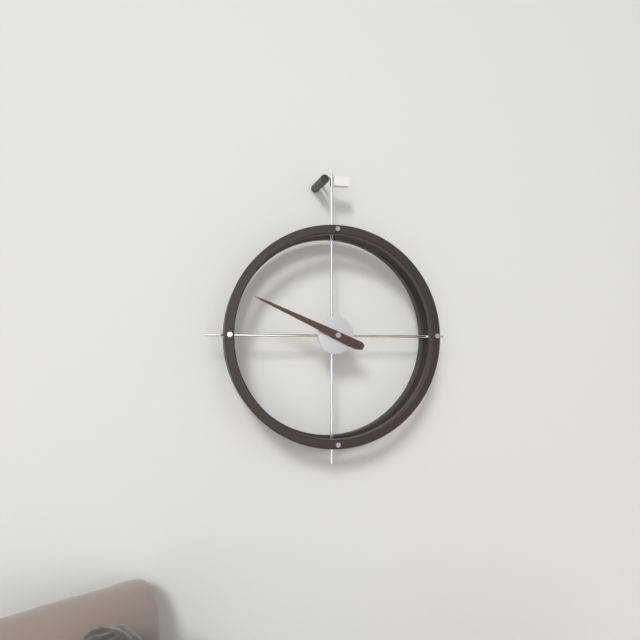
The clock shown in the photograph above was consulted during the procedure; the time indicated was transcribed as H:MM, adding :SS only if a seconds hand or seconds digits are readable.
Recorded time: 9:49
